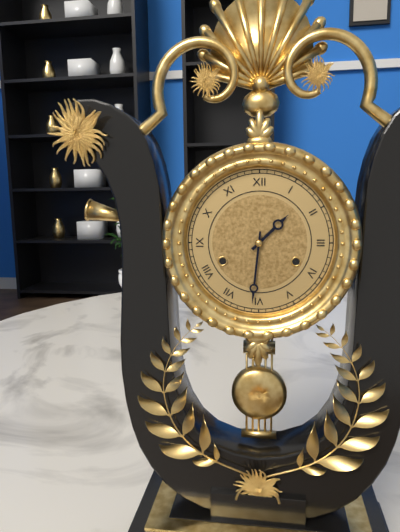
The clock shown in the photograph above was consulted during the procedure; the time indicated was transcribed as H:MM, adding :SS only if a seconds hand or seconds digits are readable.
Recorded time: 1:31
